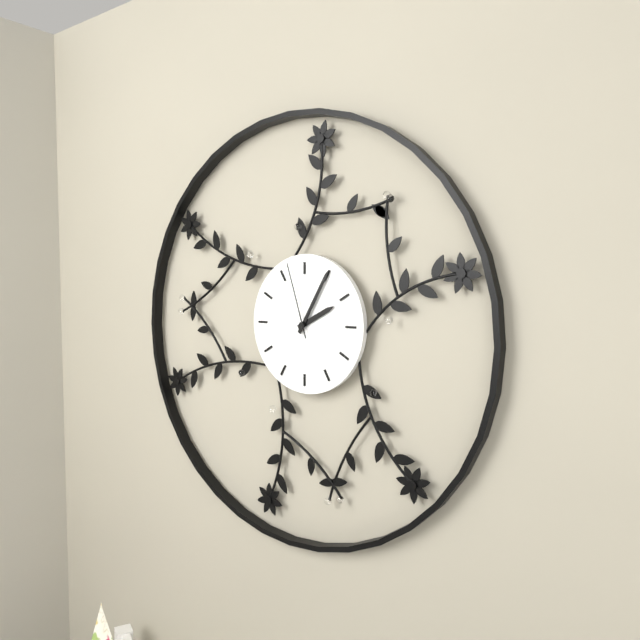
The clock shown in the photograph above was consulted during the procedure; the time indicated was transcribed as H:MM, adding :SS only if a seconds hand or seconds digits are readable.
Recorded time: 2:05:57
